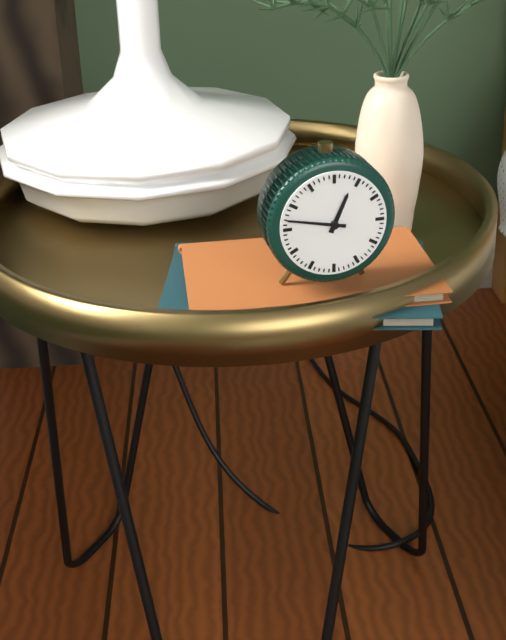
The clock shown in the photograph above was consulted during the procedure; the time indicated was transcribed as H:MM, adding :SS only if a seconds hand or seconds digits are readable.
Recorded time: 12:47
